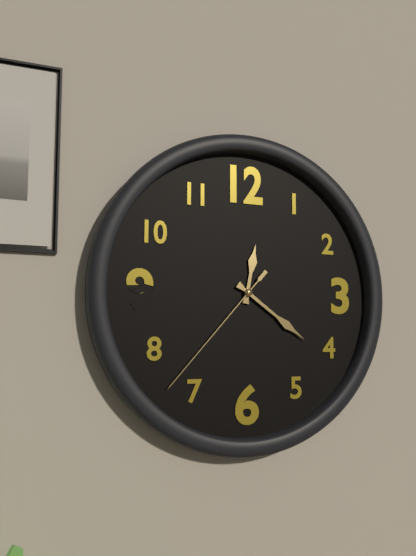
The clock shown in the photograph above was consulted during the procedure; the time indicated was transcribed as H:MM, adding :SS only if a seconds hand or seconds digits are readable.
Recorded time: 12:21:37
